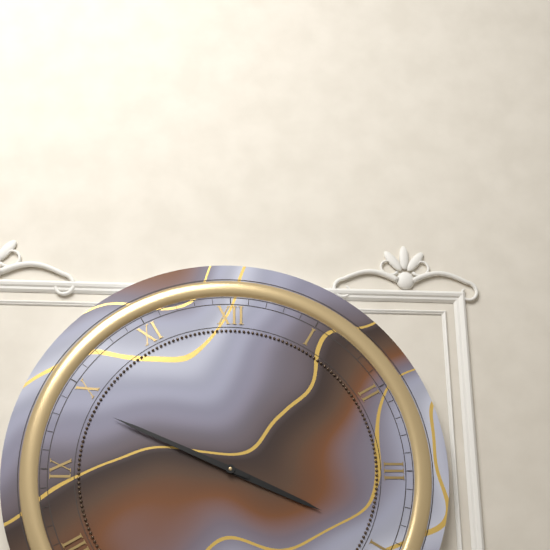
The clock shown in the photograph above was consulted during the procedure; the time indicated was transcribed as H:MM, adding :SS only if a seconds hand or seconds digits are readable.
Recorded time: 3:49
